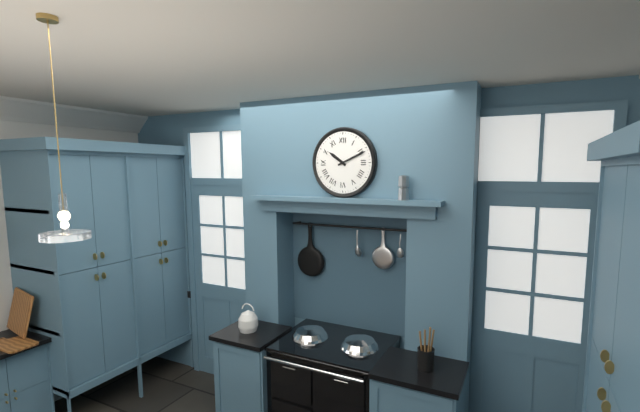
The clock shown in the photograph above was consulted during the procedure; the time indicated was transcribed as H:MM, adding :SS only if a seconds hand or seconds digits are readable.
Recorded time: 10:11
